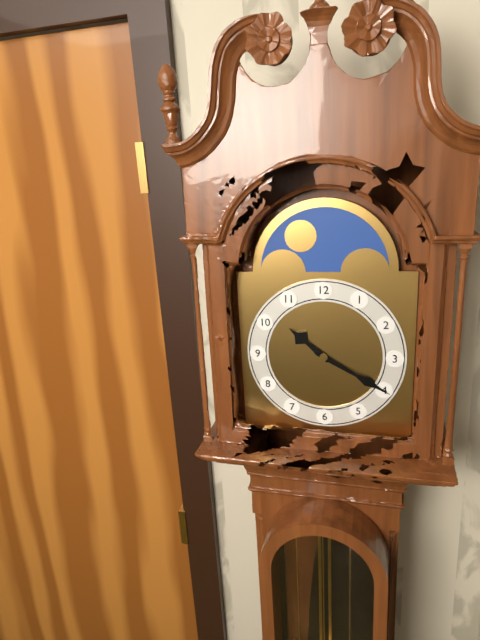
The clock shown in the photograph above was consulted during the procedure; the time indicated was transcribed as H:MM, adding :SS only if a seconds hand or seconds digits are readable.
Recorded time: 10:20
